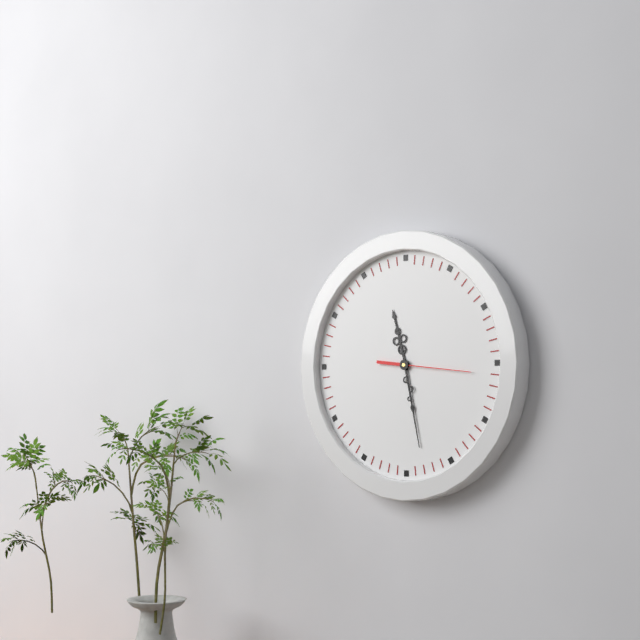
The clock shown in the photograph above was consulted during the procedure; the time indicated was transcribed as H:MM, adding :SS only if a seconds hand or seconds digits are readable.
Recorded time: 11:28:16
